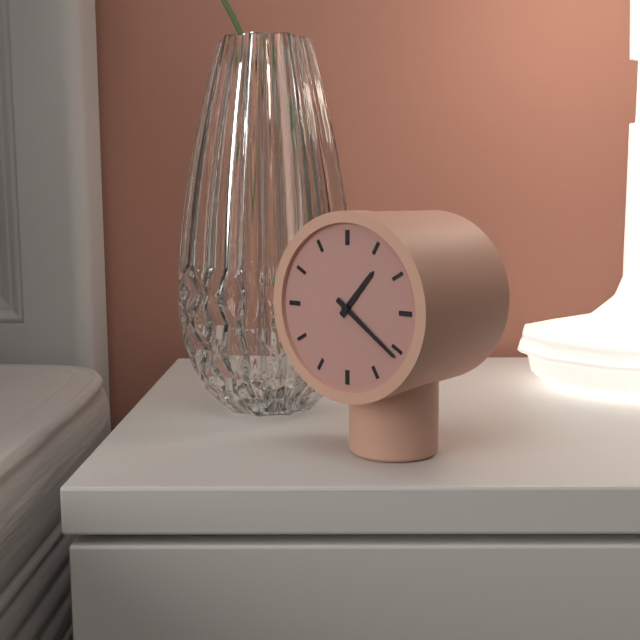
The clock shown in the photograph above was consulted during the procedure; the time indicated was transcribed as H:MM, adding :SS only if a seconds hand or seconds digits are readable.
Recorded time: 1:21
